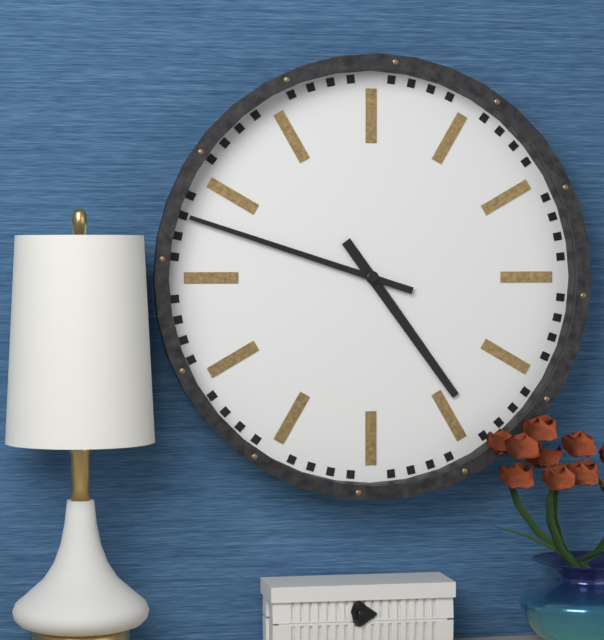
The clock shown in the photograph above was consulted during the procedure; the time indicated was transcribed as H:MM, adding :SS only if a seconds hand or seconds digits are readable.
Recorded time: 4:48
